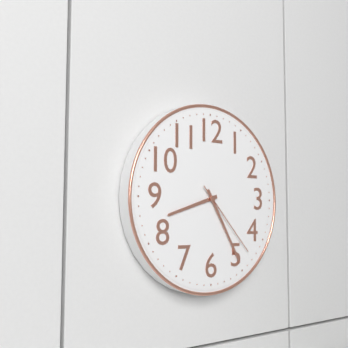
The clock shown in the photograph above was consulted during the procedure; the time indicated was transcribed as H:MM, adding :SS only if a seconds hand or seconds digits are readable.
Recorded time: 8:25:23
